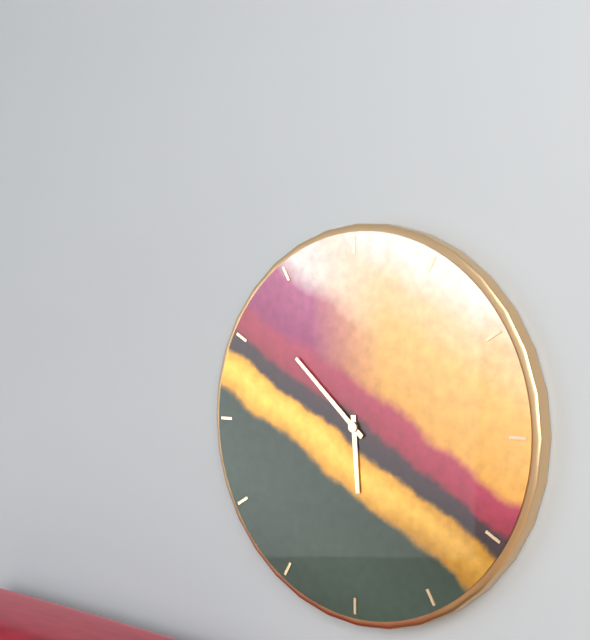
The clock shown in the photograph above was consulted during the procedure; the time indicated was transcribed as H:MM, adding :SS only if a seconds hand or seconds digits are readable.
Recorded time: 5:52
